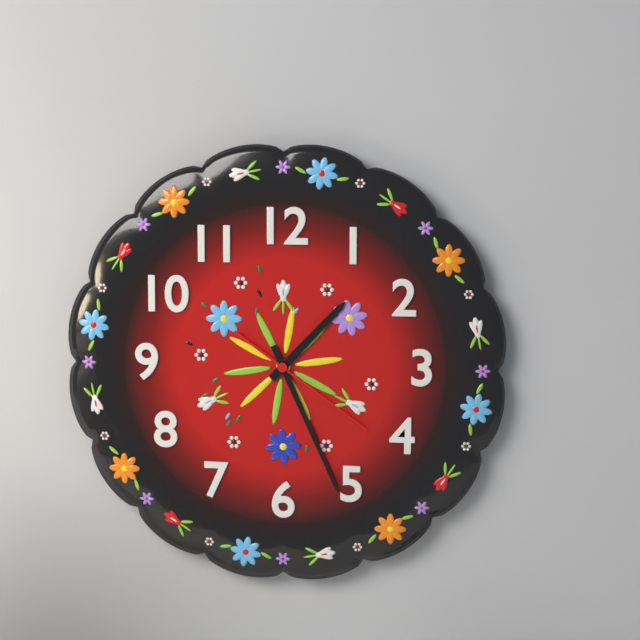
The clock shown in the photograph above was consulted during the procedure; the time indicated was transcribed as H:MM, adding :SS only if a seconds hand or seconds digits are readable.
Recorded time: 1:26:21
